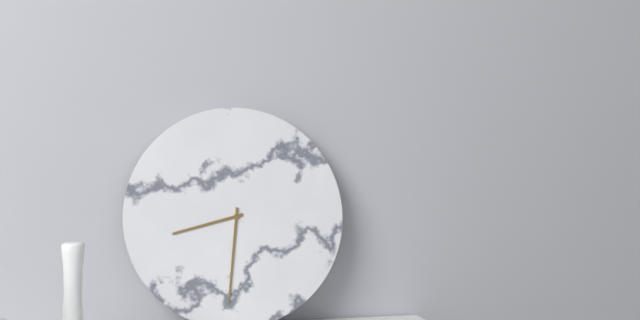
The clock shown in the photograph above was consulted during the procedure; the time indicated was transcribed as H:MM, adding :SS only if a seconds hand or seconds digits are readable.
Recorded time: 8:31
